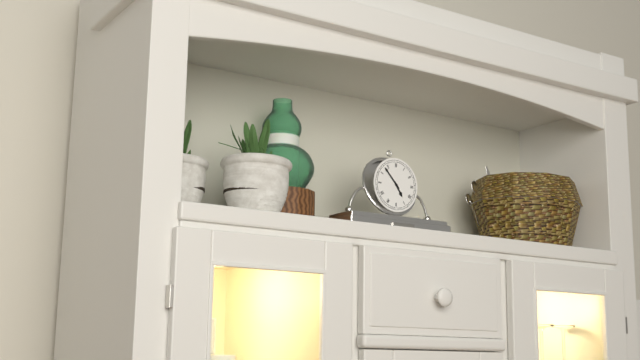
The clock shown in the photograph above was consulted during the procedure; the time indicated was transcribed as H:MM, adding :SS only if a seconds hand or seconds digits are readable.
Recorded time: 4:53
